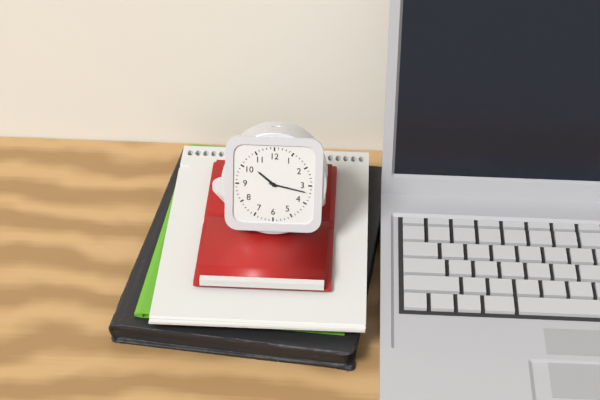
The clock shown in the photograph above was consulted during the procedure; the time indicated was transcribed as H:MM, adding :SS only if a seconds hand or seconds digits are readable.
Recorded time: 10:17
